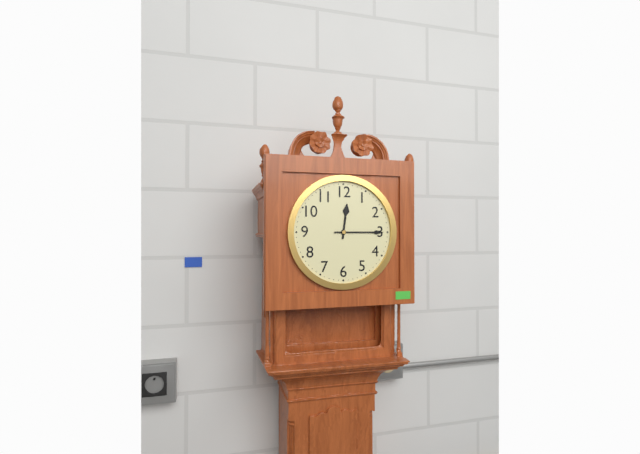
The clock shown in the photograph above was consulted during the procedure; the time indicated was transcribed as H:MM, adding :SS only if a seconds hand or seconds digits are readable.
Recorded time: 12:15
